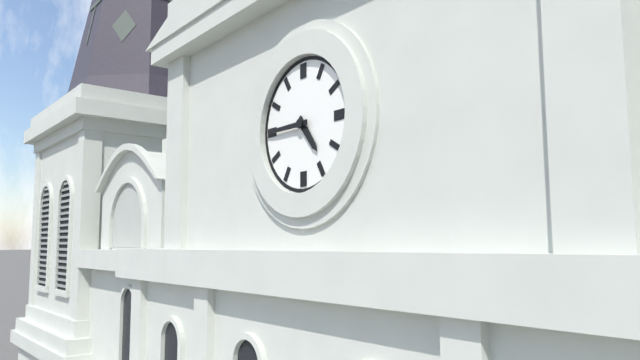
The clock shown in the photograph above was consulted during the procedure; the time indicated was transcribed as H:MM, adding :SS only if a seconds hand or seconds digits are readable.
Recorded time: 4:45
